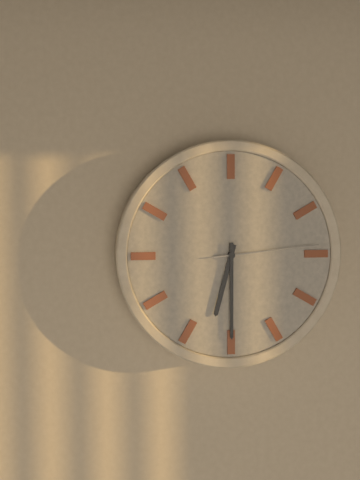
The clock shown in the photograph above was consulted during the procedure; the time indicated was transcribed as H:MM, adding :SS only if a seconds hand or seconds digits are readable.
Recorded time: 6:30:14
